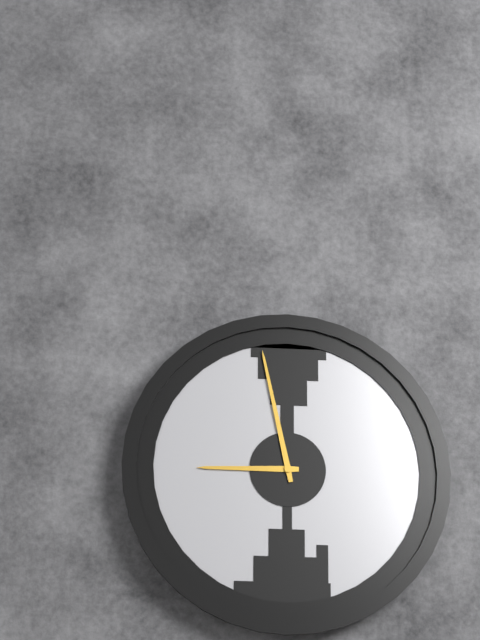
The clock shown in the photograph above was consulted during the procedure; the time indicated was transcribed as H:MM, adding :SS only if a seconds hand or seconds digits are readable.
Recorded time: 8:58
